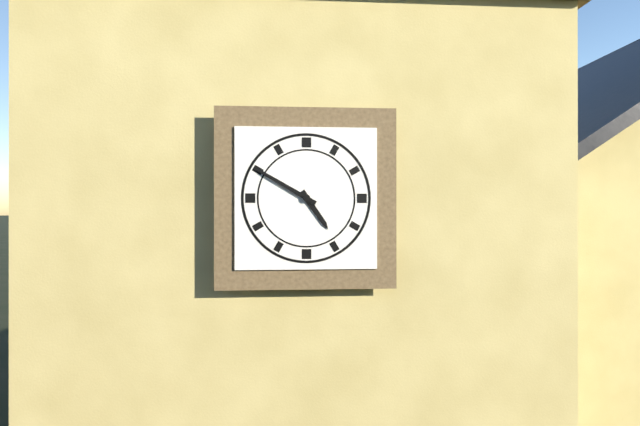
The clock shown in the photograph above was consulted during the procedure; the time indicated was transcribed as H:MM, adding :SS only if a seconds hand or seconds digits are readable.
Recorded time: 4:50
